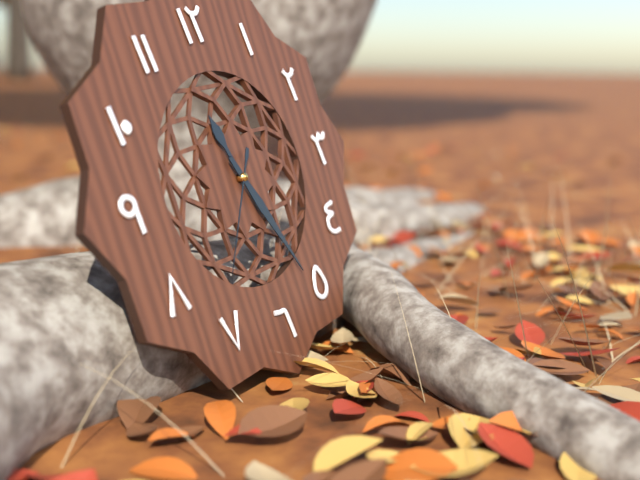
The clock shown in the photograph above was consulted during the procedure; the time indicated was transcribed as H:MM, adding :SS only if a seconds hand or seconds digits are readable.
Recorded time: 11:26:36
